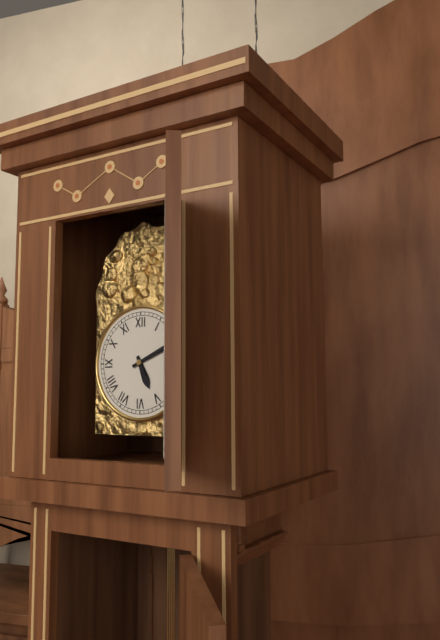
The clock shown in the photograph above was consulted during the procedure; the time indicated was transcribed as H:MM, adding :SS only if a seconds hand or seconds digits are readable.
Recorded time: 5:11
